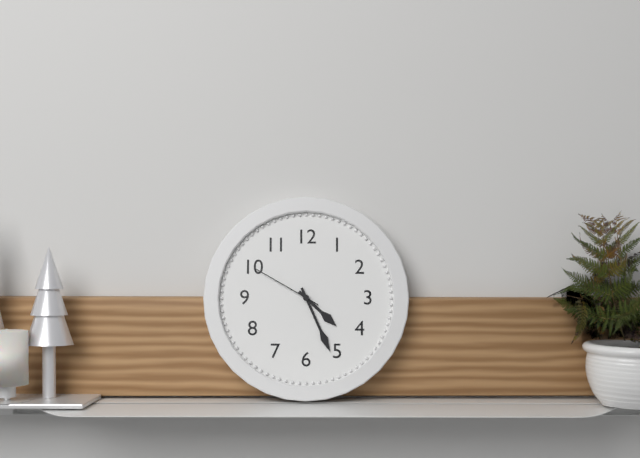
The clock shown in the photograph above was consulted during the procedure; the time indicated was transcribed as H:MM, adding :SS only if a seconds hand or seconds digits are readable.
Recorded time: 4:26:50
